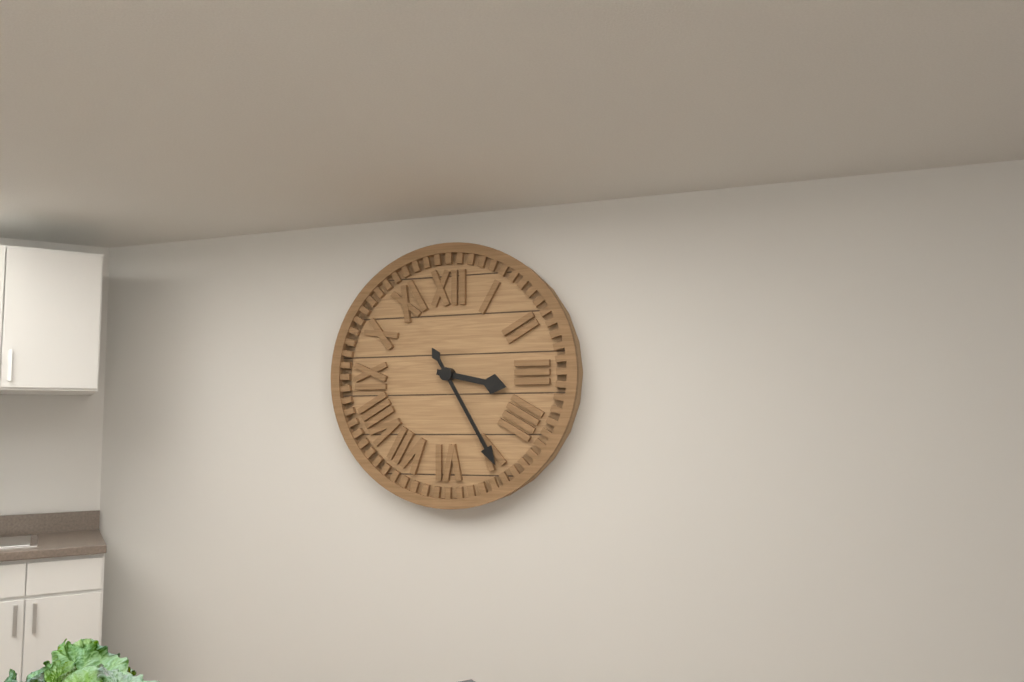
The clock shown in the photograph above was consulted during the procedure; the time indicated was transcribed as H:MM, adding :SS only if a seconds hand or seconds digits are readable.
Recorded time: 3:25
